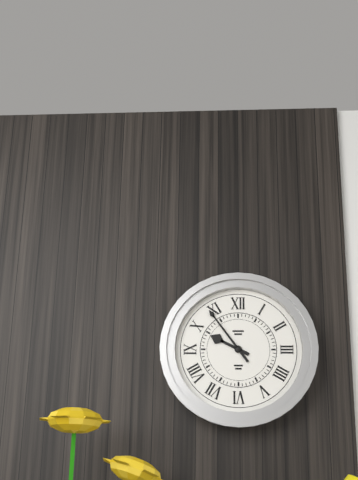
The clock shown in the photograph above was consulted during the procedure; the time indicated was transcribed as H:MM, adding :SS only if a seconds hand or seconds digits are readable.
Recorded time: 9:54
